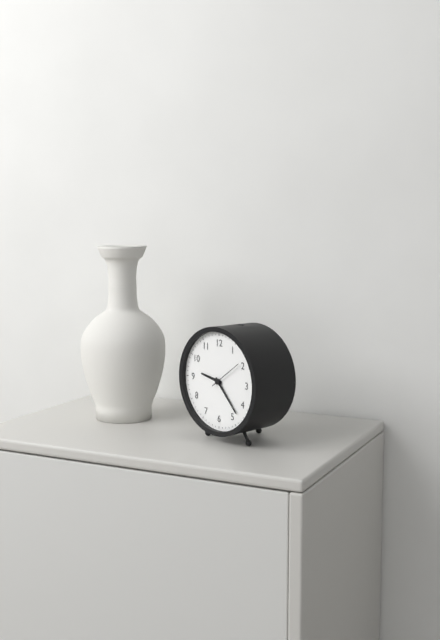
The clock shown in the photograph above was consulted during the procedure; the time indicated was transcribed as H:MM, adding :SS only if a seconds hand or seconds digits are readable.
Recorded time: 9:23
